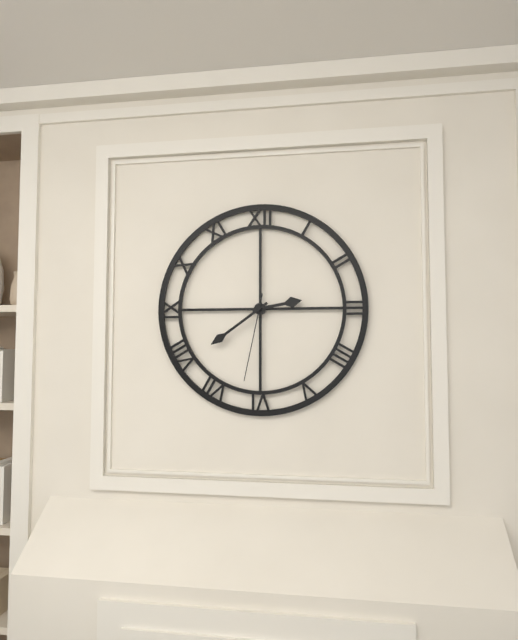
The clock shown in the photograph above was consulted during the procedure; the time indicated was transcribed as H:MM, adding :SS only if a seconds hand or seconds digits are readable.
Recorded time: 2:39:32
